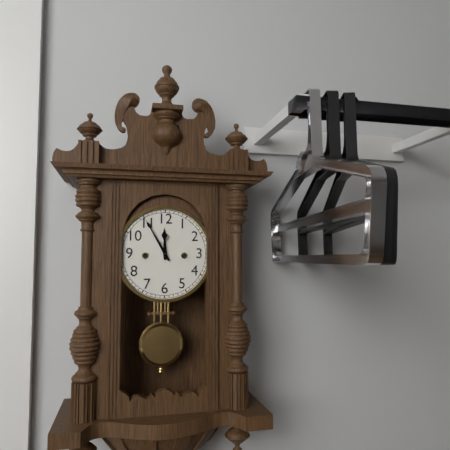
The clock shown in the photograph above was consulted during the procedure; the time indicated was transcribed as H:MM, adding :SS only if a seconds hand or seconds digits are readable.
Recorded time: 11:55
